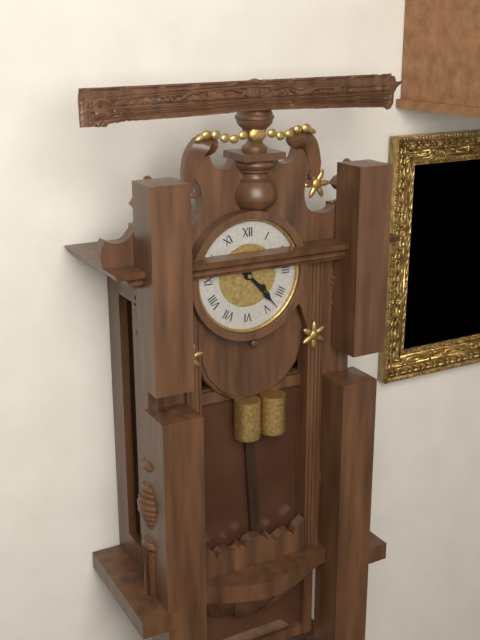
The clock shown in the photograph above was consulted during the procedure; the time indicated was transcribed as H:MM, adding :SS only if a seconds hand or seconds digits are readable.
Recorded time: 4:23
